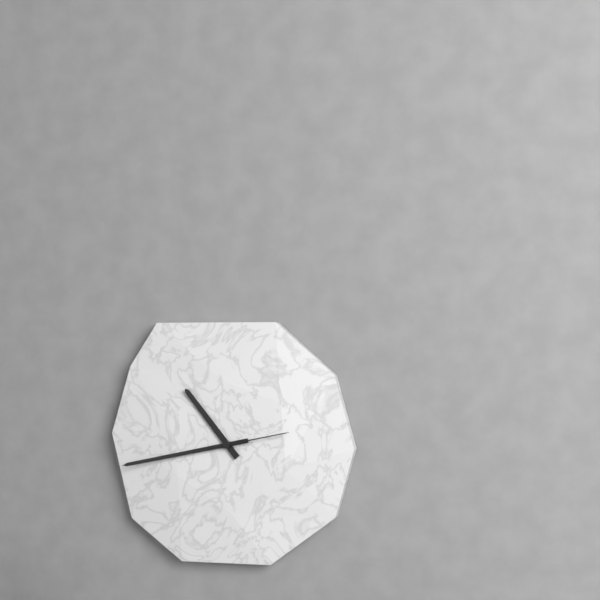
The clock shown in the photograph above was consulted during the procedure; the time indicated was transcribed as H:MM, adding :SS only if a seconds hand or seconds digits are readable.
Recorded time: 10:43:13
